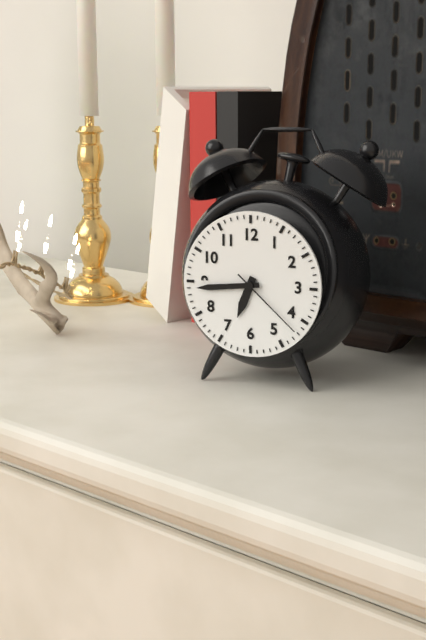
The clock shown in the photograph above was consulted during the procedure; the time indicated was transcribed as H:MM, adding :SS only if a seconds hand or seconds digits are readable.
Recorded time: 6:44:22
